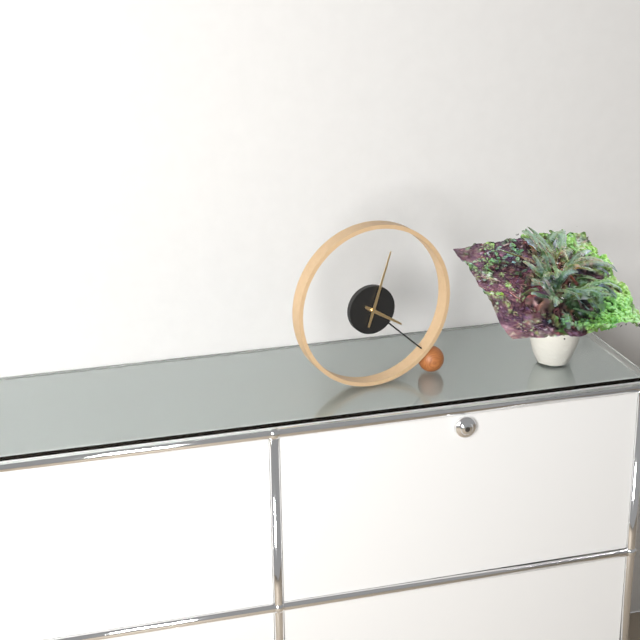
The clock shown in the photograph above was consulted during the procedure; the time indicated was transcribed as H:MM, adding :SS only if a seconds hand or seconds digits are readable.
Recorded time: 4:03
